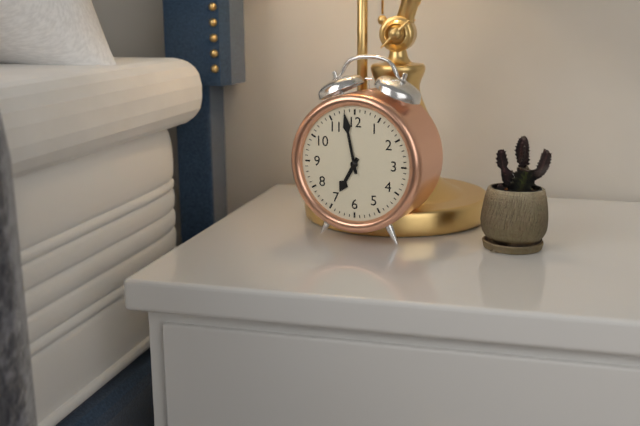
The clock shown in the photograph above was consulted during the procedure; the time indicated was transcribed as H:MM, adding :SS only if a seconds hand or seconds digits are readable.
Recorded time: 6:58
